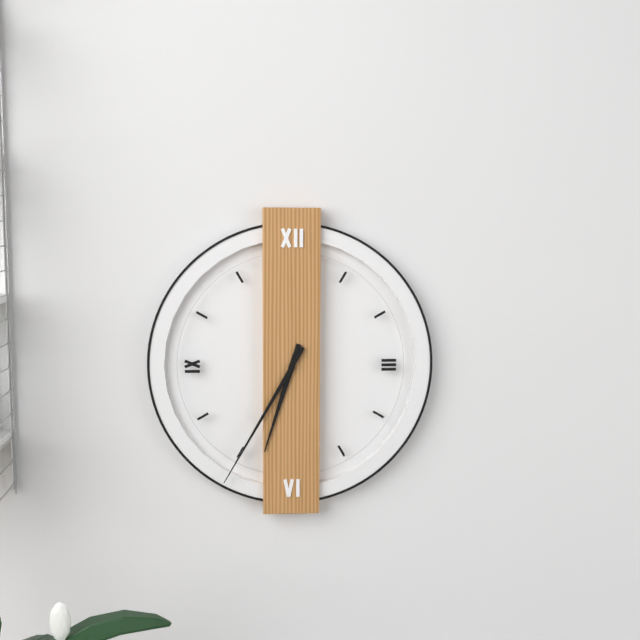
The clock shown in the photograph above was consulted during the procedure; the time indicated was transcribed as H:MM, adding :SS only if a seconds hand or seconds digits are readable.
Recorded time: 6:35
